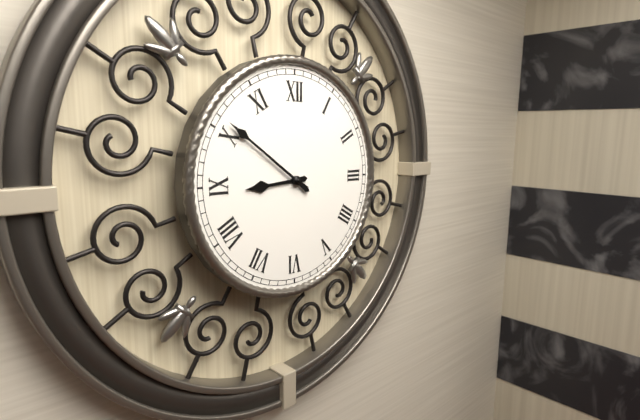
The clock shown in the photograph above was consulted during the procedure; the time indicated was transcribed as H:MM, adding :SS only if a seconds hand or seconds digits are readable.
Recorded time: 8:51
